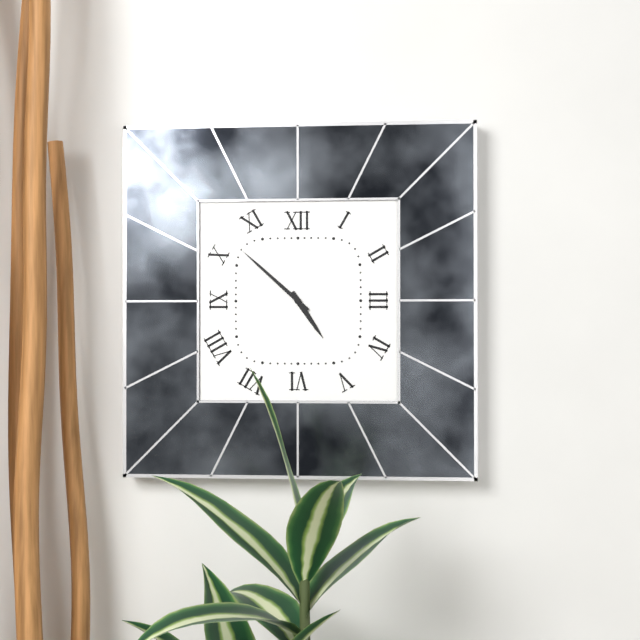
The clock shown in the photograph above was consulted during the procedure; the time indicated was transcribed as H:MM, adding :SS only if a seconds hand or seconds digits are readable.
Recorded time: 4:52
